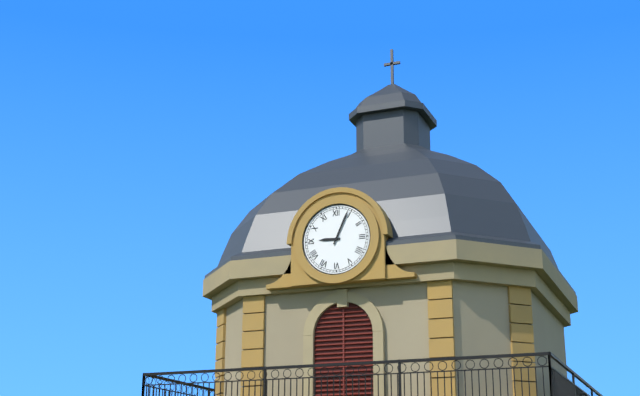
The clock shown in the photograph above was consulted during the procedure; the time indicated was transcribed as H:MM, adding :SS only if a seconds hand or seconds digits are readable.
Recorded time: 9:04
